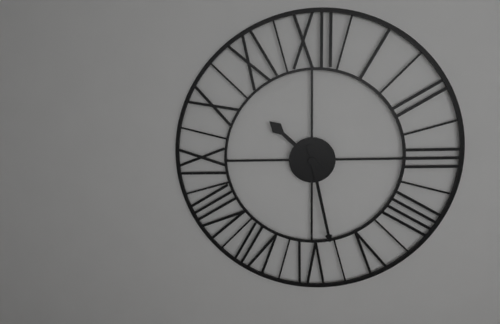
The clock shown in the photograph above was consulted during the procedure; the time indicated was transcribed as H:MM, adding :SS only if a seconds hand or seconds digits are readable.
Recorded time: 10:28
